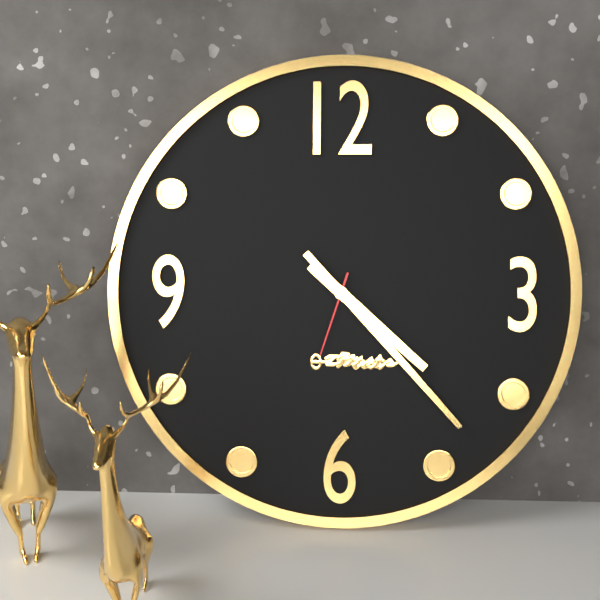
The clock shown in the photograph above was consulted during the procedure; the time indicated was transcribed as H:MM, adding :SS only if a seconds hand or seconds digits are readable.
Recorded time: 4:23:33
